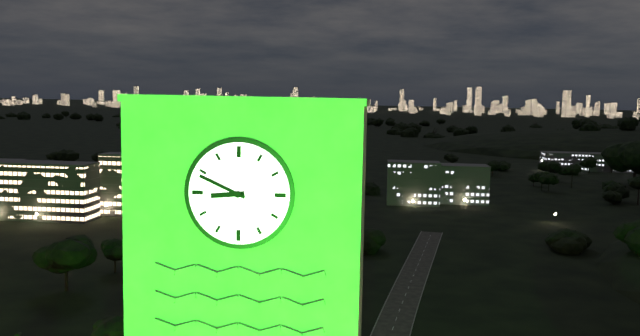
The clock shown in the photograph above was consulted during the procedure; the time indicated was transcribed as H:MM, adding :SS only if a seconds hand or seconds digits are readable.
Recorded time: 8:49
